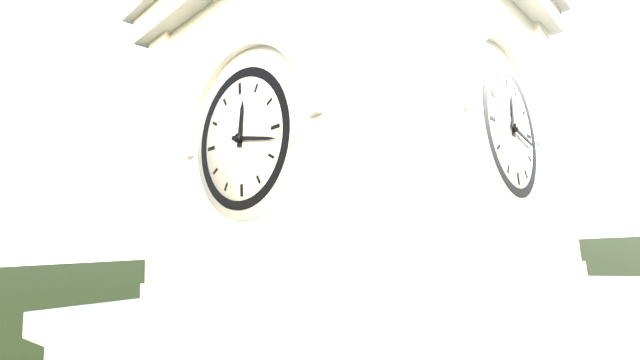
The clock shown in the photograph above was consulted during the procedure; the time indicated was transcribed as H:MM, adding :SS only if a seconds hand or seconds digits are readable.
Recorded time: 12:17
